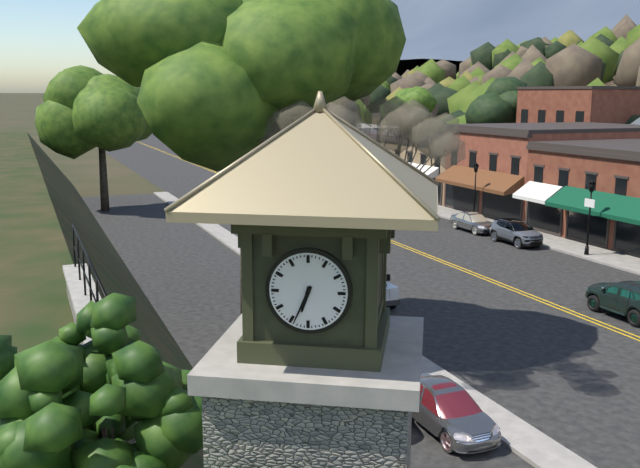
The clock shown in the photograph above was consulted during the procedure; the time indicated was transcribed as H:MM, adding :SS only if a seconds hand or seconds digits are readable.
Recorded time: 6:34
